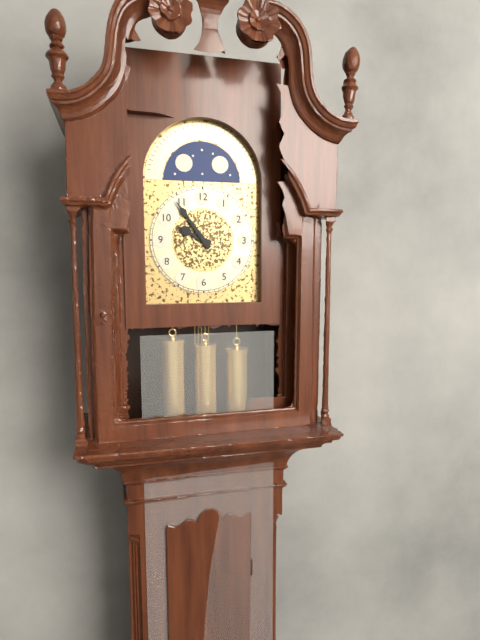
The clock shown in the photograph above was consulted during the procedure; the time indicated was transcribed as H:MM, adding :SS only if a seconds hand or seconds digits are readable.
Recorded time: 9:54
